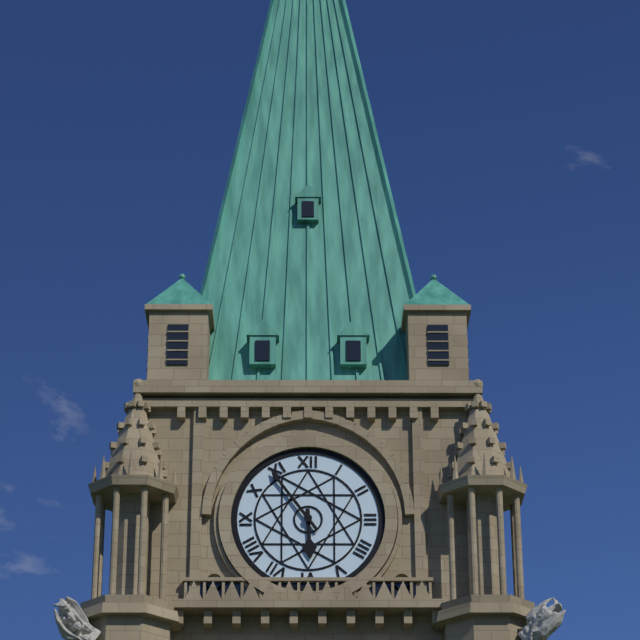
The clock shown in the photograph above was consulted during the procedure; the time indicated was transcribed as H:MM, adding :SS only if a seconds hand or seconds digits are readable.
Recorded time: 5:54
